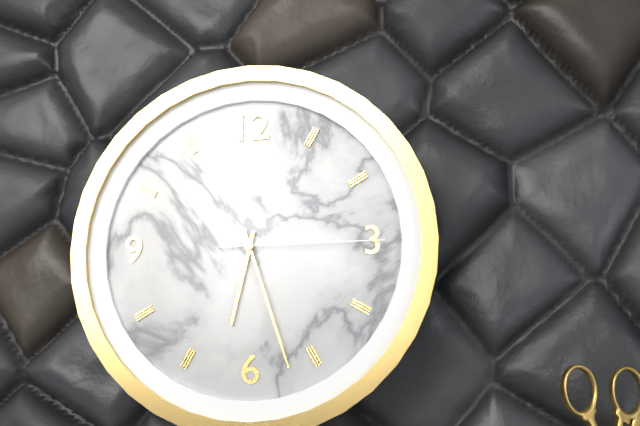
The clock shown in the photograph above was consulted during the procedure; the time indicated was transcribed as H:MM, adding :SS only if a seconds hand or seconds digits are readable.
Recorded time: 6:27:15
